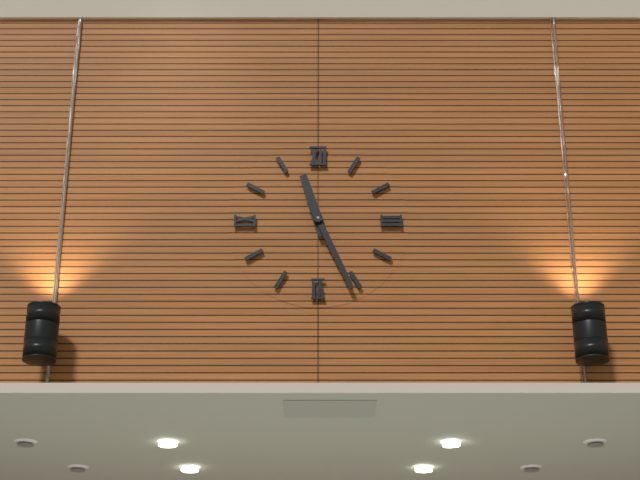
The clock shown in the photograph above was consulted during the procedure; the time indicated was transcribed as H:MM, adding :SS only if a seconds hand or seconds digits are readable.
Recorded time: 11:26
